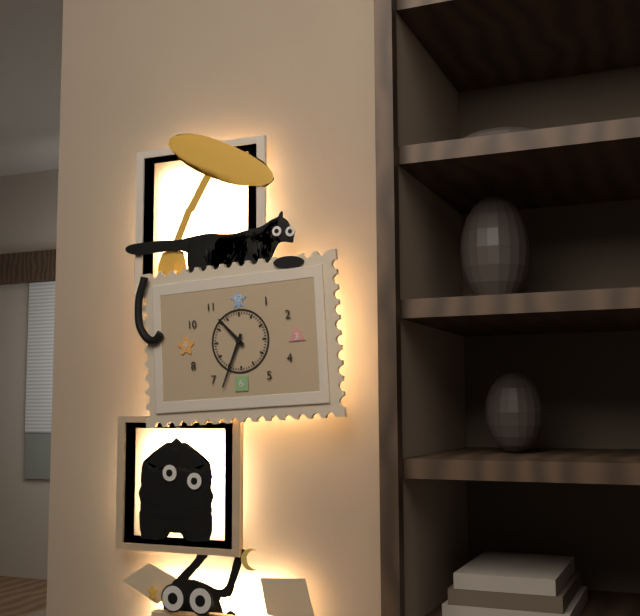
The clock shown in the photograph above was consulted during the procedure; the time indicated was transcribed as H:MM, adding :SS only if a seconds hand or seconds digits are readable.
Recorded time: 10:34
